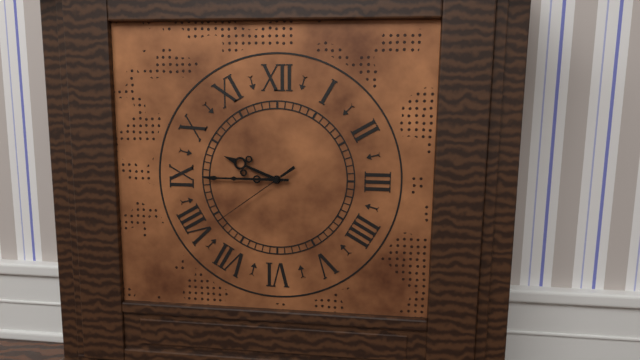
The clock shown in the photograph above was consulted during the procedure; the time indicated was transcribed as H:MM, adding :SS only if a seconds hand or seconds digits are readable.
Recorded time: 9:45:39
